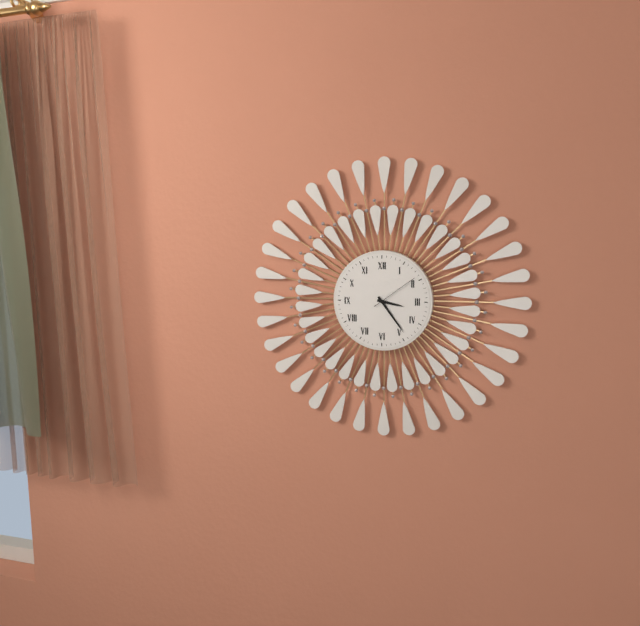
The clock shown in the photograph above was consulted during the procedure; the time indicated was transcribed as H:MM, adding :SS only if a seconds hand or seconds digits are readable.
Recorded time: 3:24
